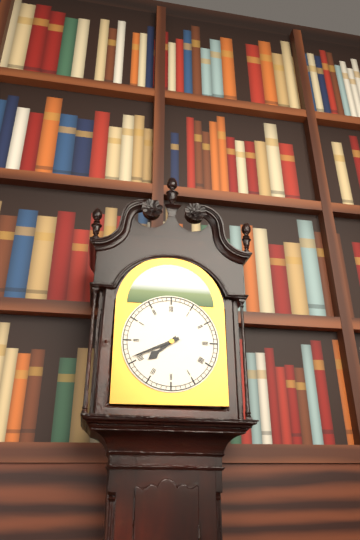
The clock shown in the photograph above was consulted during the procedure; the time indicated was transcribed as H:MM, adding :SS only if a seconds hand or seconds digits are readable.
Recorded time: 7:41
